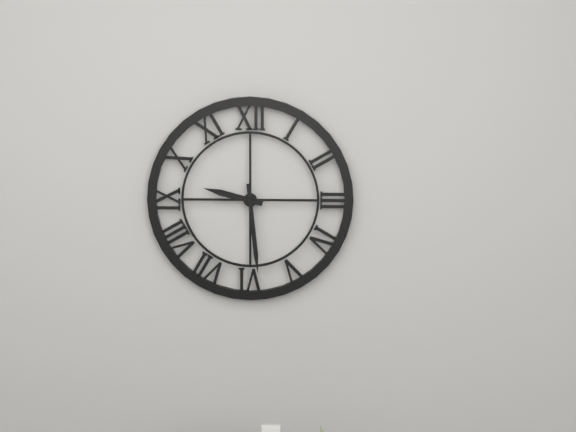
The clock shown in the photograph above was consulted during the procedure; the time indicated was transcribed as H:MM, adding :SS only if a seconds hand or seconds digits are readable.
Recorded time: 9:29
